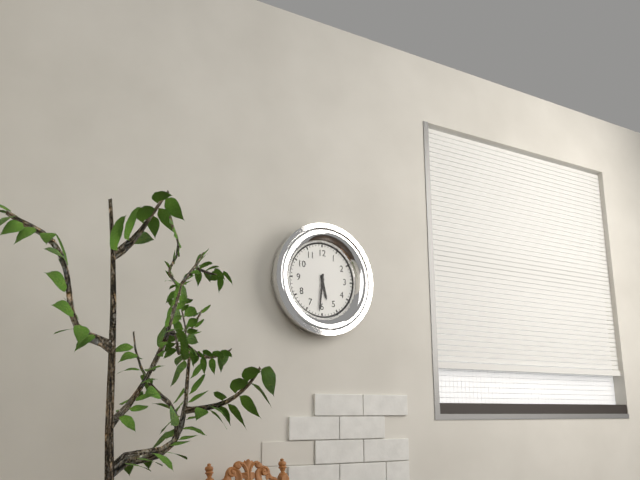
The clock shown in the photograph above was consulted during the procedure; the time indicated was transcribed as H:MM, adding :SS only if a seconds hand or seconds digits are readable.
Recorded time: 5:31
